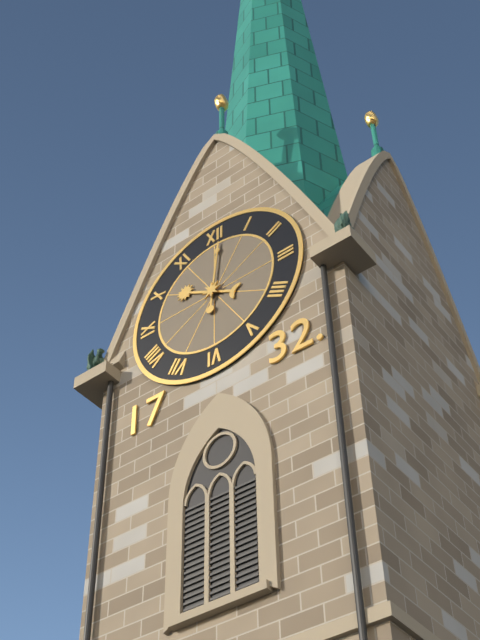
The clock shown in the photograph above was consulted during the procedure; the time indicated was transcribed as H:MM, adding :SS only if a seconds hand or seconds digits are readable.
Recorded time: 10:01
